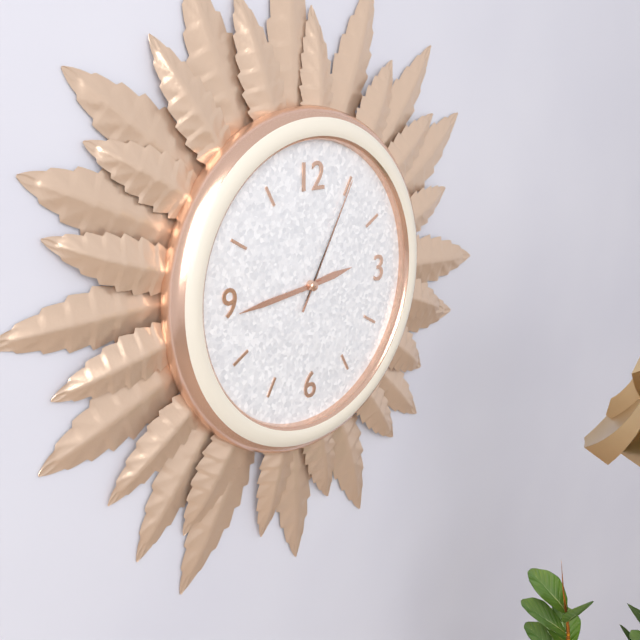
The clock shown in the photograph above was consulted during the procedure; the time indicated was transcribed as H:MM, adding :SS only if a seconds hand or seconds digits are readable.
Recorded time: 2:44:05
